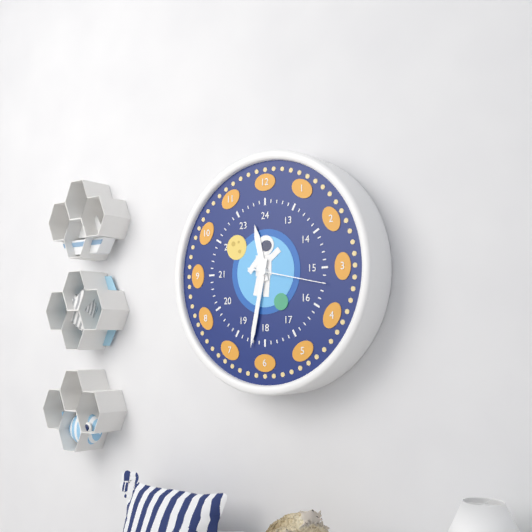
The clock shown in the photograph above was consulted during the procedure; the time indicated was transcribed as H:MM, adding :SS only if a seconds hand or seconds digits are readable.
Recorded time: 11:32:17
